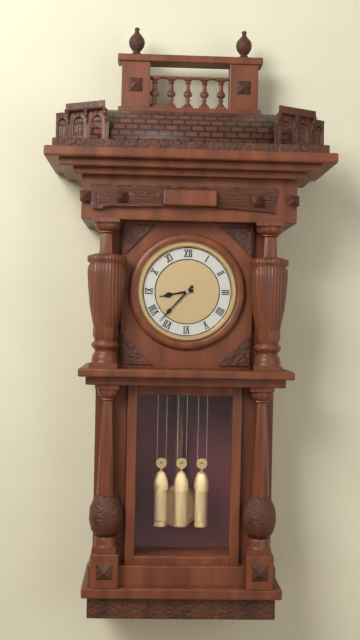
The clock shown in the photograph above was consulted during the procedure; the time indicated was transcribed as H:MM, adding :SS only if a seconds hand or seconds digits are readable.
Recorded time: 8:37
